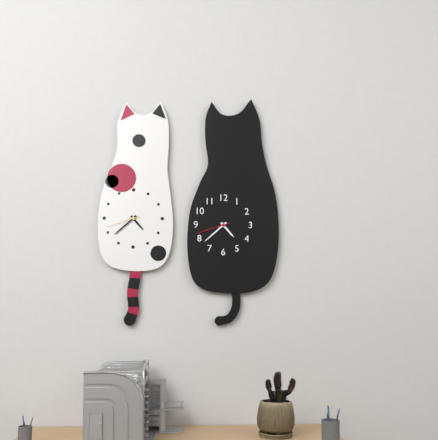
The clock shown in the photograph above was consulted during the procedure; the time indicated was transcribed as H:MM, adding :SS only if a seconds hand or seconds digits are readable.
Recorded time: 4:38
